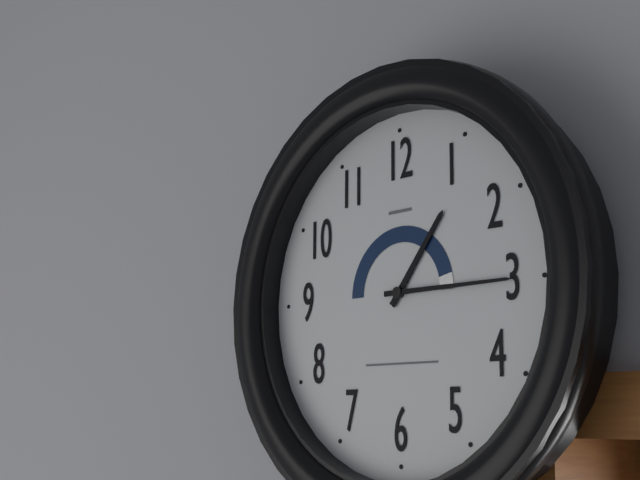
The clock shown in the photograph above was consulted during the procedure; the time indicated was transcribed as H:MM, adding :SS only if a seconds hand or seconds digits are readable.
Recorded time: 1:15
